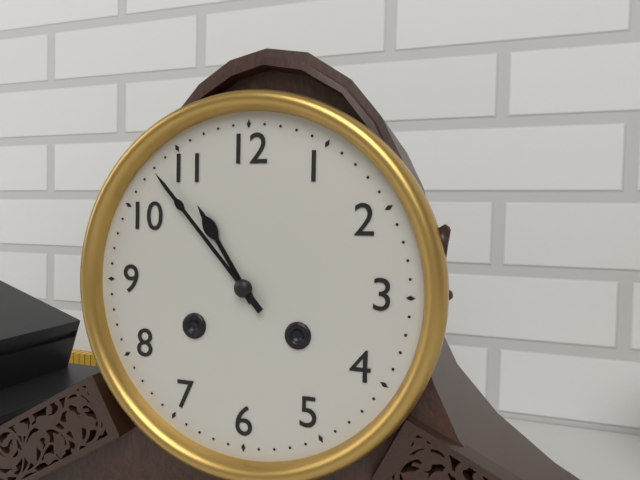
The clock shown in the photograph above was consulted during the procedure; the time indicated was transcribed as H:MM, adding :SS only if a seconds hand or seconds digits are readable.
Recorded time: 10:53
